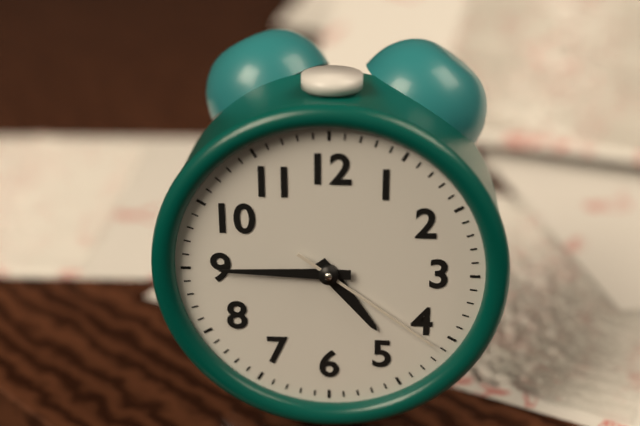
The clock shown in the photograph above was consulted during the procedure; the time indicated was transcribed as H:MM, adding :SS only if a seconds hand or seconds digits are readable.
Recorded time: 4:45:21
